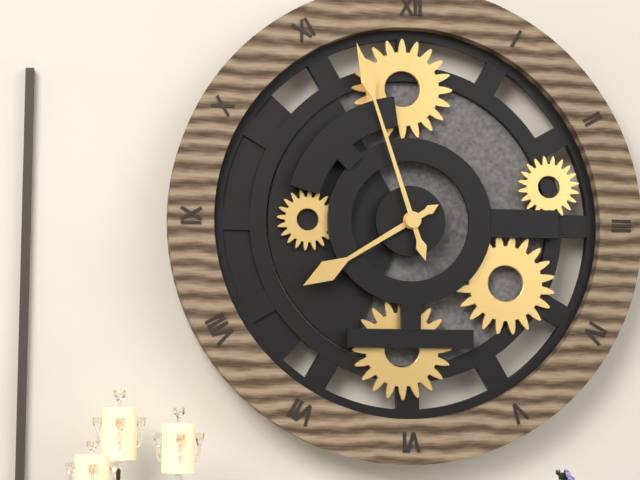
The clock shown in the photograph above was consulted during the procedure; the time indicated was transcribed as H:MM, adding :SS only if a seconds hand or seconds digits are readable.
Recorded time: 7:57
